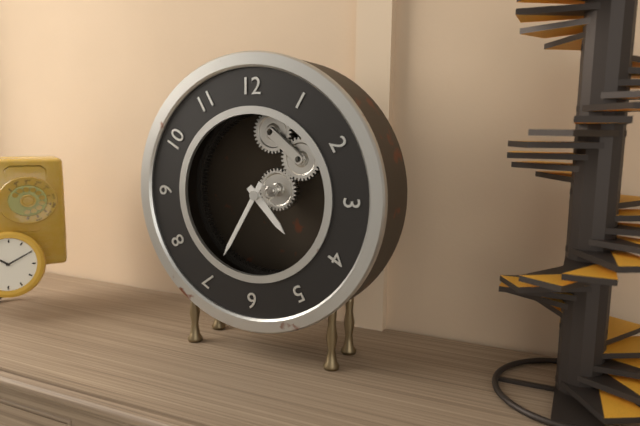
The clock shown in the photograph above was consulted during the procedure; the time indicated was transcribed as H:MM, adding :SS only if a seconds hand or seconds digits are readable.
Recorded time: 4:35
